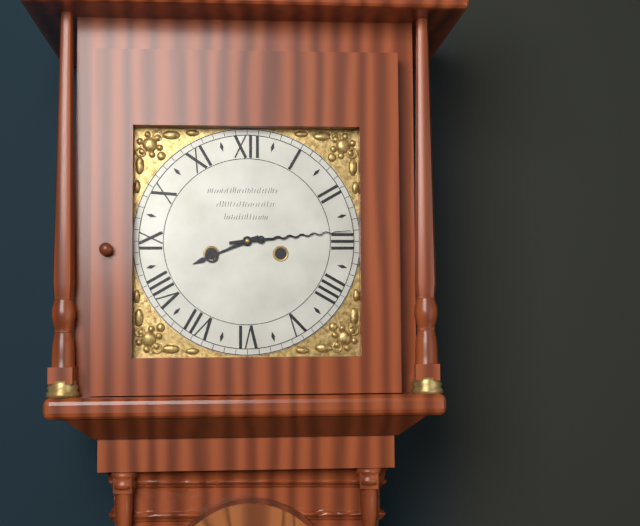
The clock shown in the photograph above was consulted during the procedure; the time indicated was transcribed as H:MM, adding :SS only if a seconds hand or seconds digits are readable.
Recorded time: 8:14
